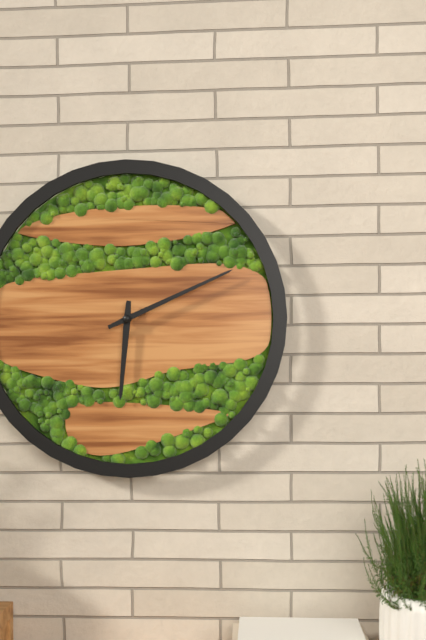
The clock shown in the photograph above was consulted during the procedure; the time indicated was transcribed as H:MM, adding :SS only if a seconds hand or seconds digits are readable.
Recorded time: 6:11
